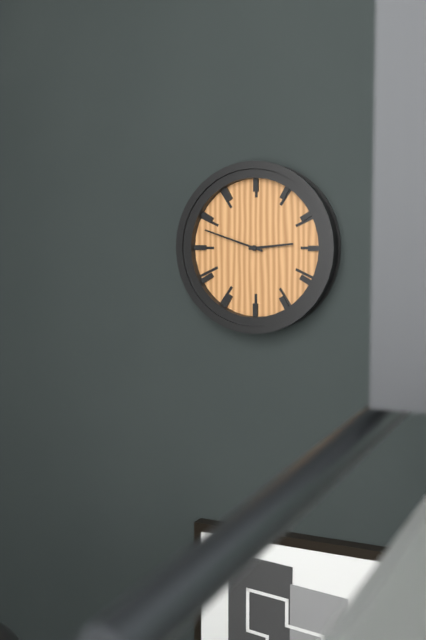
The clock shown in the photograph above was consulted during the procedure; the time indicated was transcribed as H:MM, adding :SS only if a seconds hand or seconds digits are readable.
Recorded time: 2:48
